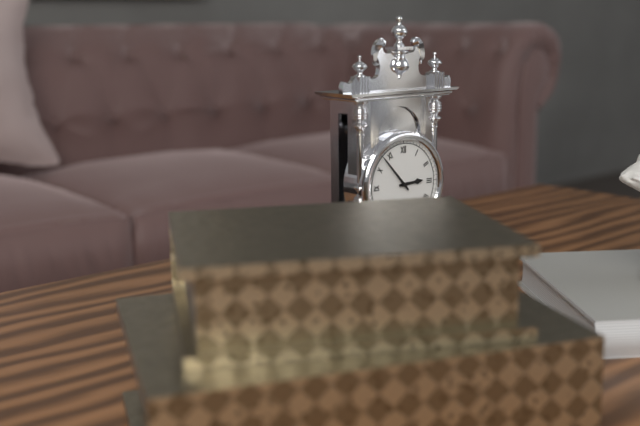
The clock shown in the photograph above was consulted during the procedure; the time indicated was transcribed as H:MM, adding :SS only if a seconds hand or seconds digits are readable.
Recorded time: 2:53
